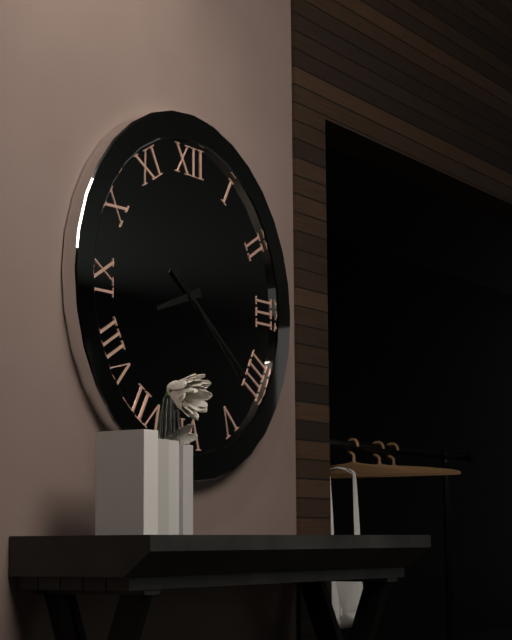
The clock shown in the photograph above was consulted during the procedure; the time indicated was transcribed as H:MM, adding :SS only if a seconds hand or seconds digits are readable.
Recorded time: 8:21:22
